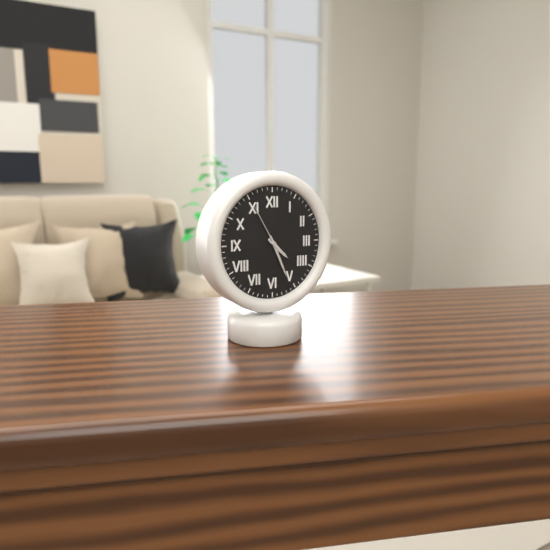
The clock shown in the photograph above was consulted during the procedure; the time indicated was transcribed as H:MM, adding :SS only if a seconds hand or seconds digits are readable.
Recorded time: 4:26:55
